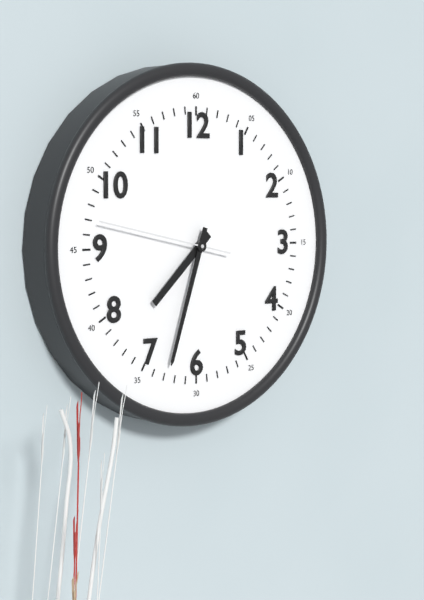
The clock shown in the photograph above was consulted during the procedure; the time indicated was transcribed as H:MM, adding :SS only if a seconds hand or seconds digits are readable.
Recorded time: 7:33:47
